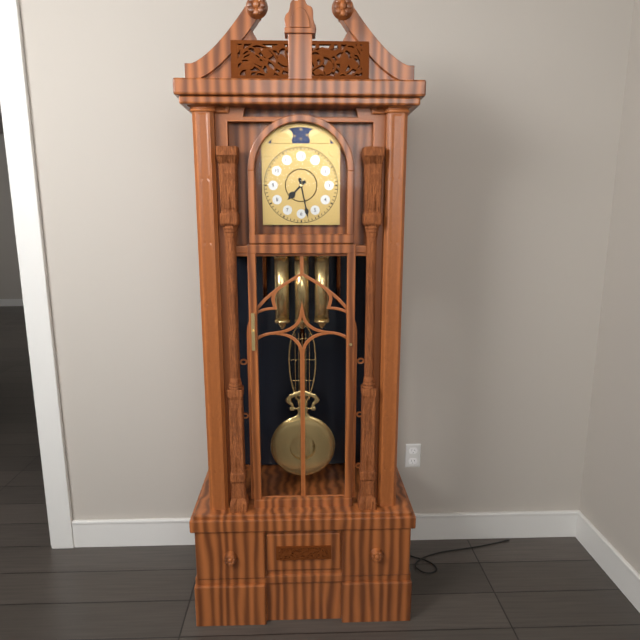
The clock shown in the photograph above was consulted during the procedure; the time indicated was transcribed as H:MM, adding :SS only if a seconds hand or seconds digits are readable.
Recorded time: 7:28
